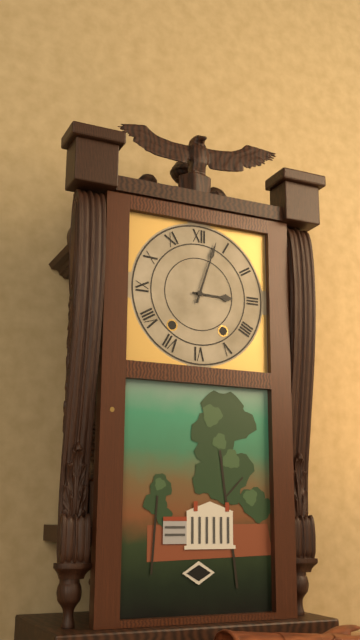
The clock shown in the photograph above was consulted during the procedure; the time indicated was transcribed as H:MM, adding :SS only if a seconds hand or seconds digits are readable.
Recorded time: 3:03
